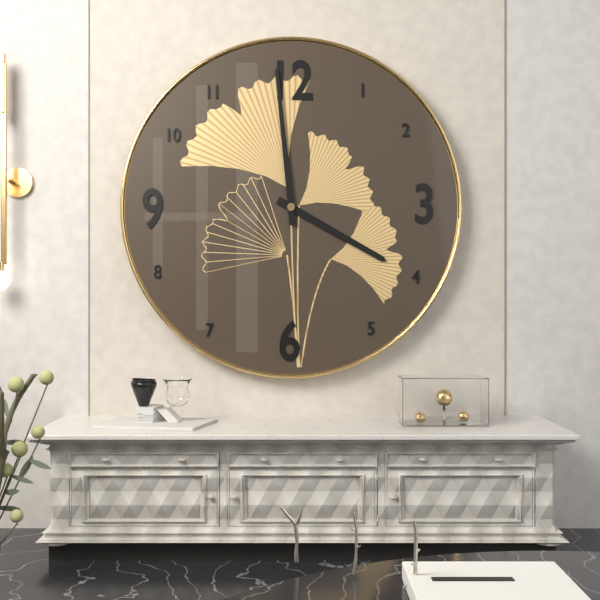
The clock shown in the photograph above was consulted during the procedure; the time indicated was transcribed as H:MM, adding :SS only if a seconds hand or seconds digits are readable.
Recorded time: 3:59
